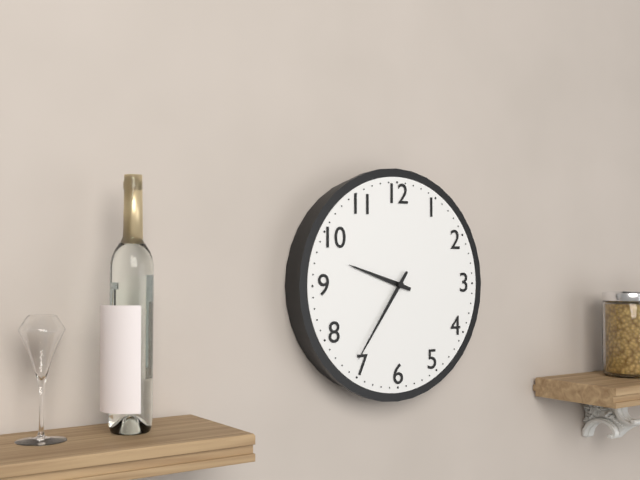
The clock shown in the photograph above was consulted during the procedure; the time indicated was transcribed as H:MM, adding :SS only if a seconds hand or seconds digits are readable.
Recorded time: 9:36
